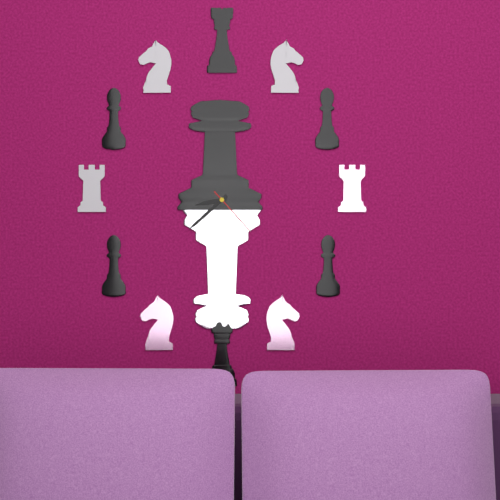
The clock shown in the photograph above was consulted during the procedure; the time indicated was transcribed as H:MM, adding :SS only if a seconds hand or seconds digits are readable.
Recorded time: 8:38:23
